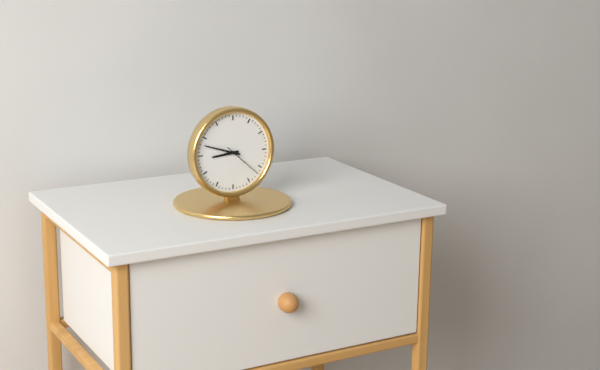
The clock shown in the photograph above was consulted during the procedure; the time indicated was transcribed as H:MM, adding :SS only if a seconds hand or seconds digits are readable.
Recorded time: 8:48
